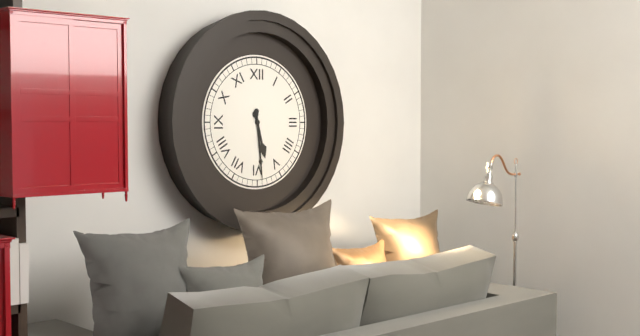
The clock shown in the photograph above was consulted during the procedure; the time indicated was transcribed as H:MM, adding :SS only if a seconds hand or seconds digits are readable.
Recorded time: 5:29
